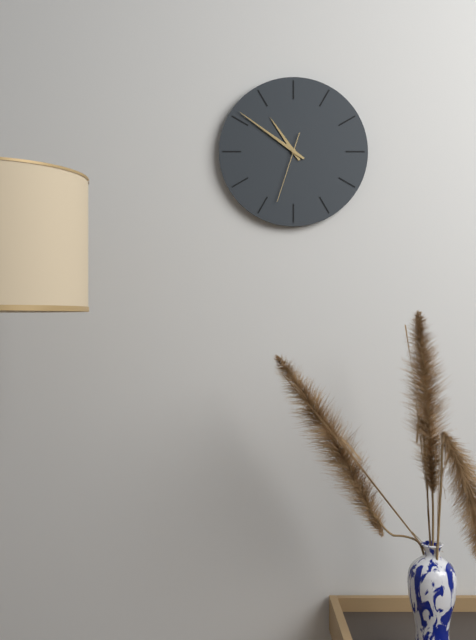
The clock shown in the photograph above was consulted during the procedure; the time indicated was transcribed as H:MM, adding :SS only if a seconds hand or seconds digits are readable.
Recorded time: 10:51:33
